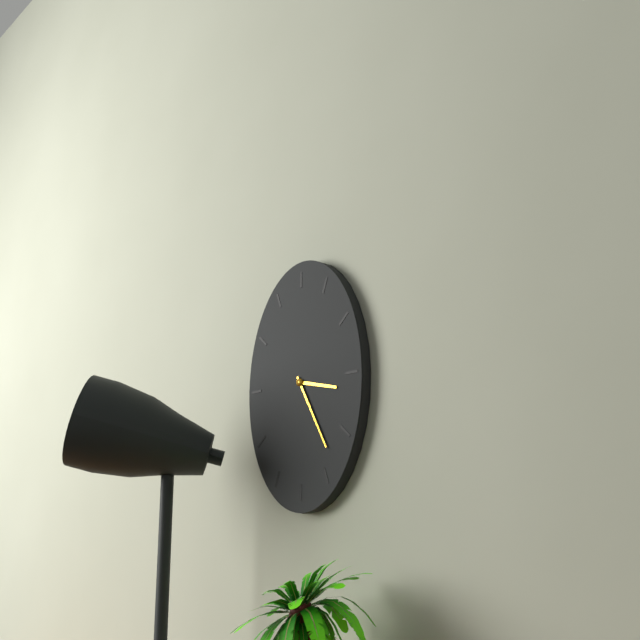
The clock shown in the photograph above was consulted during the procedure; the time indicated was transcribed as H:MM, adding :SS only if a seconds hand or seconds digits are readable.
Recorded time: 3:25
